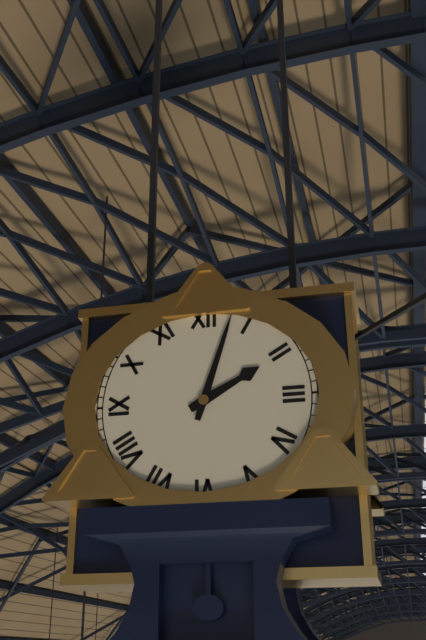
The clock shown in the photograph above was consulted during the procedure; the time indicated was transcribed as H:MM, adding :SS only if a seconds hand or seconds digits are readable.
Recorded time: 2:03
